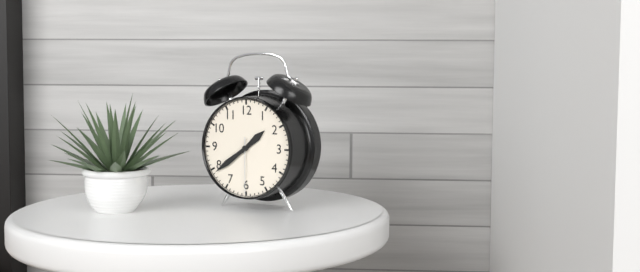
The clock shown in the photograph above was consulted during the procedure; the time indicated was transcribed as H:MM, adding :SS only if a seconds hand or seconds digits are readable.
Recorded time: 1:39:30
